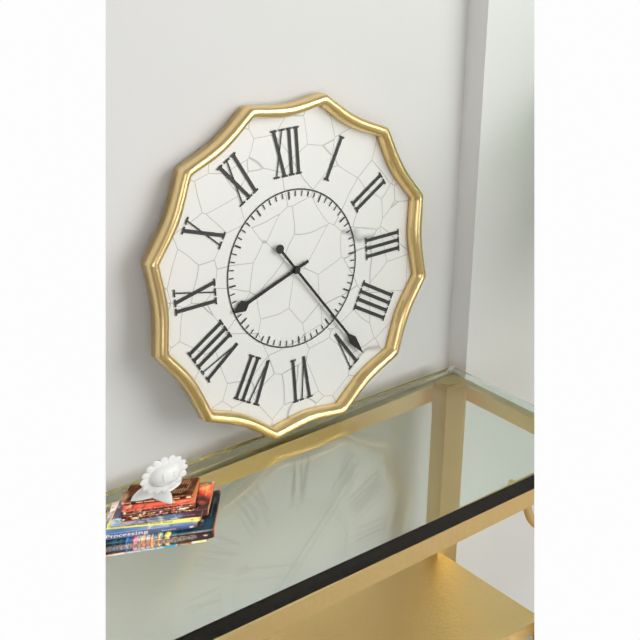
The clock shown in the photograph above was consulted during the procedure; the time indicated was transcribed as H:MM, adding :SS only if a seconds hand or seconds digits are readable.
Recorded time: 8:24
